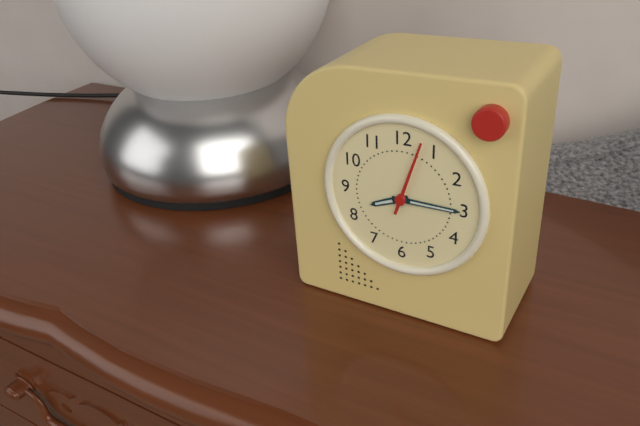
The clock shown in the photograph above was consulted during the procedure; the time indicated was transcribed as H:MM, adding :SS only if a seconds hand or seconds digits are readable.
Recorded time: 8:15:03
